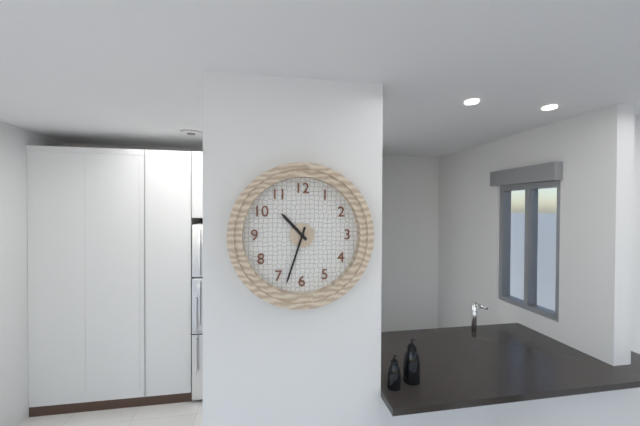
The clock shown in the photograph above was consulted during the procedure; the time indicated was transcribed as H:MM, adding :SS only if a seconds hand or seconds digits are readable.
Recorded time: 10:33
